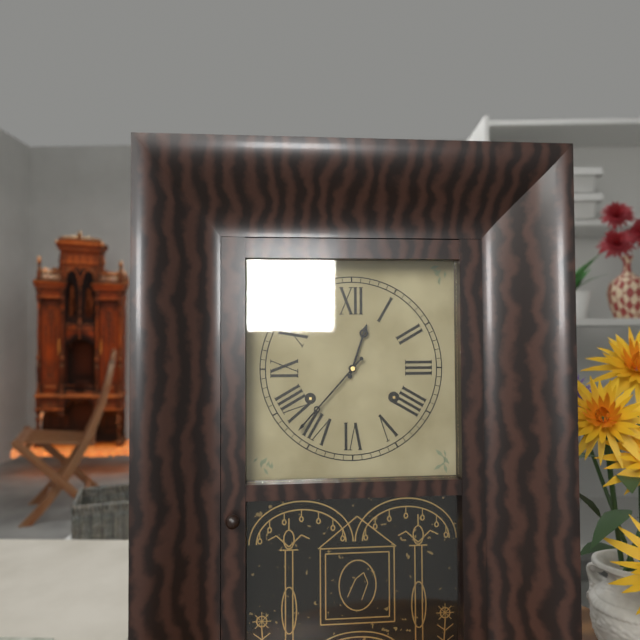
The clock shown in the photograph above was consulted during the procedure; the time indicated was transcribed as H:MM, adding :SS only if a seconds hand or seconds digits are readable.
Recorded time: 12:37
